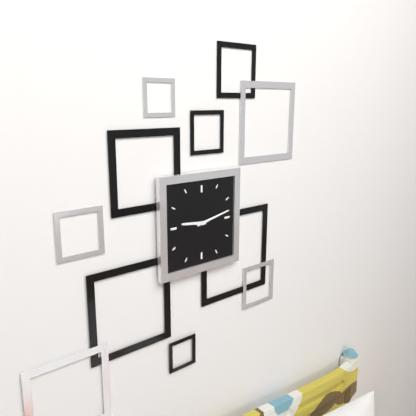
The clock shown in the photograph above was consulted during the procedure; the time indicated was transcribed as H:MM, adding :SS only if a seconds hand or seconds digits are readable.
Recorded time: 9:13
